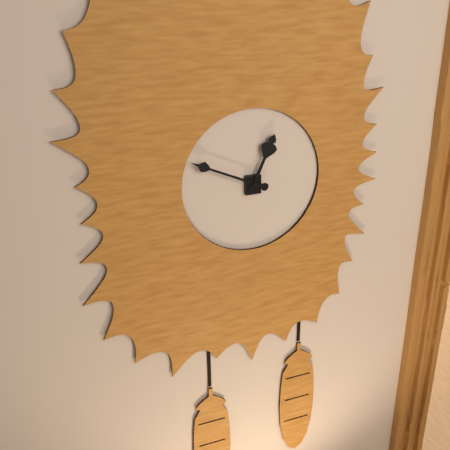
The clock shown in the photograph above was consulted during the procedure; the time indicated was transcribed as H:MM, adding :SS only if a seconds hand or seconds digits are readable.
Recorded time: 12:49
